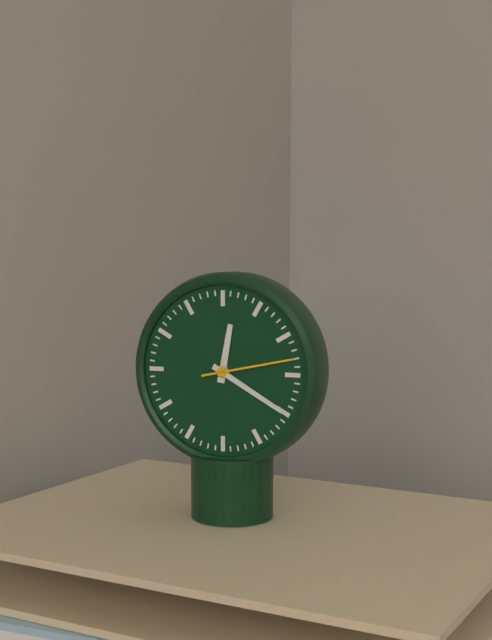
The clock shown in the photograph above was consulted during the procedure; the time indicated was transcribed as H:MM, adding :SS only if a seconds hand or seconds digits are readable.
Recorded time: 12:20:13
